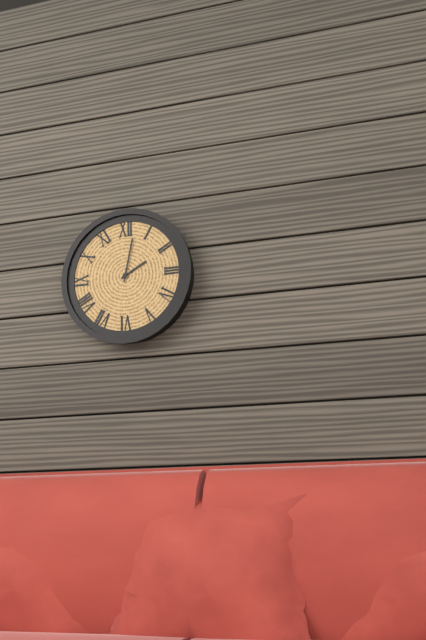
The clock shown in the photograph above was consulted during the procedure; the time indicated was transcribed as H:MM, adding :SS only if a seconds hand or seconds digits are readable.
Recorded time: 2:02
